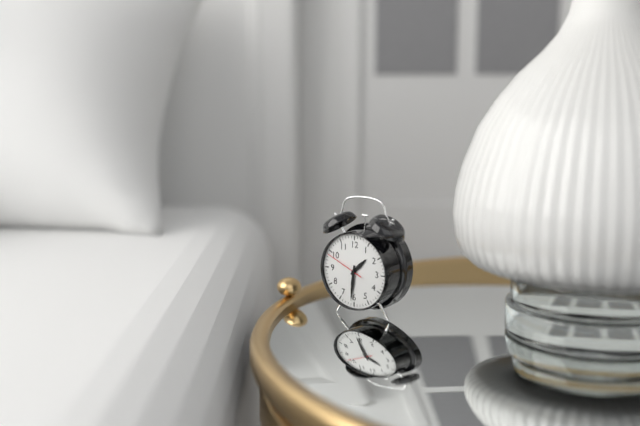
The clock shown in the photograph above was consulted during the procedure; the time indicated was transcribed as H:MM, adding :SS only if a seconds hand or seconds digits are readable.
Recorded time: 1:31
